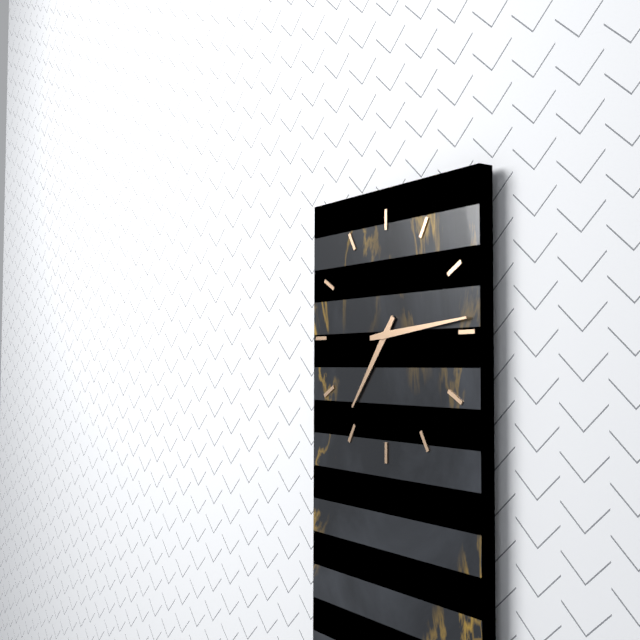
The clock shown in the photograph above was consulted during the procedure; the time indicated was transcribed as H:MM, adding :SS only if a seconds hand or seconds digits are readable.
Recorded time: 7:14
